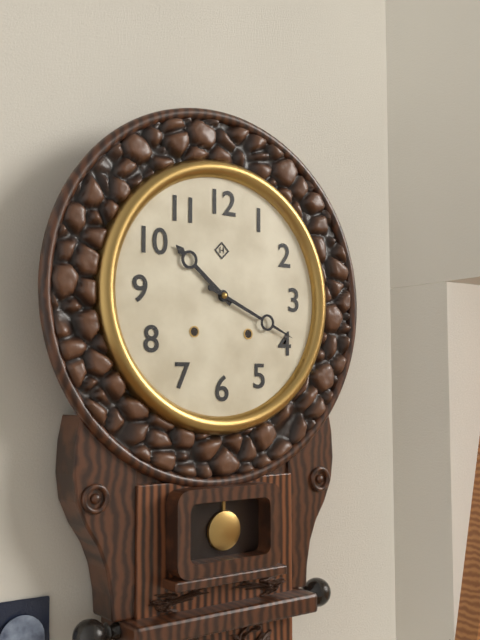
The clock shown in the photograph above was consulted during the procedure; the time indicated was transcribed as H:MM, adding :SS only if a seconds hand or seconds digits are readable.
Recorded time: 10:19
